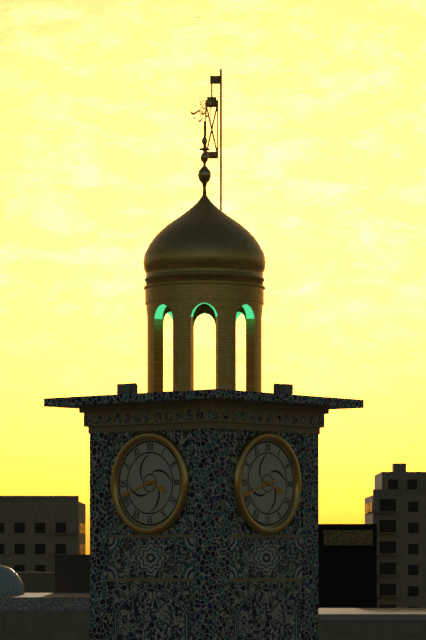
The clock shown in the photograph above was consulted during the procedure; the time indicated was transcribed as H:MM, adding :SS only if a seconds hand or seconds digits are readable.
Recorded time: 3:42
